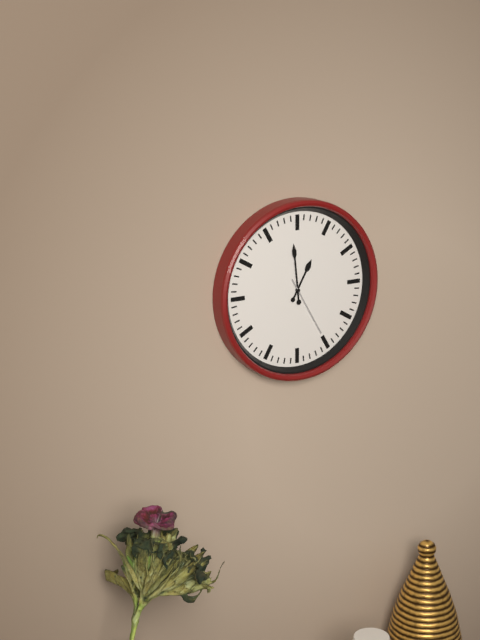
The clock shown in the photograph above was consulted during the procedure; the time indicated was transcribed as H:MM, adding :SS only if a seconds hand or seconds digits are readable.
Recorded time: 12:59:25
